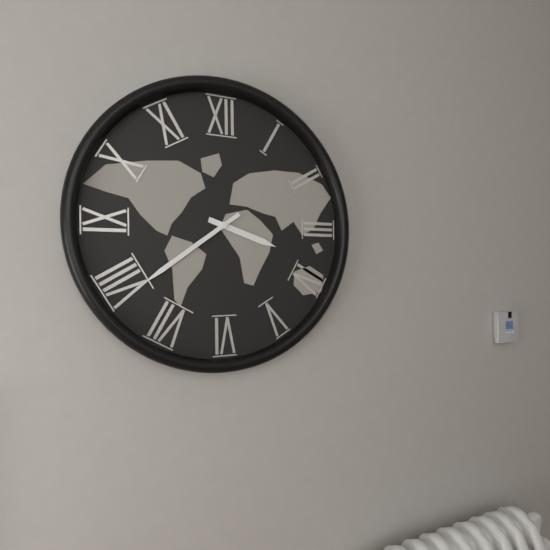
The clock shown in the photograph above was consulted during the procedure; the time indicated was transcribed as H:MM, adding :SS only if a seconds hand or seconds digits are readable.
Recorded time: 3:39
